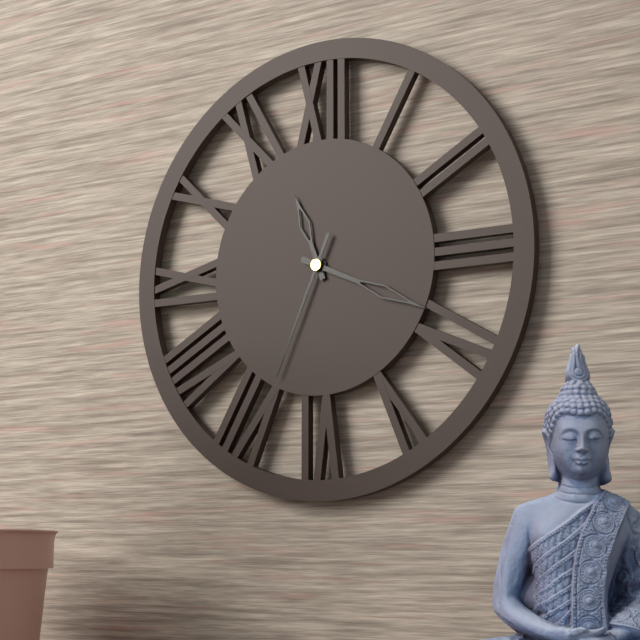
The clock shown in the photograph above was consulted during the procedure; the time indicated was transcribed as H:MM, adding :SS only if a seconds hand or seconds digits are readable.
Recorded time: 11:19:34
